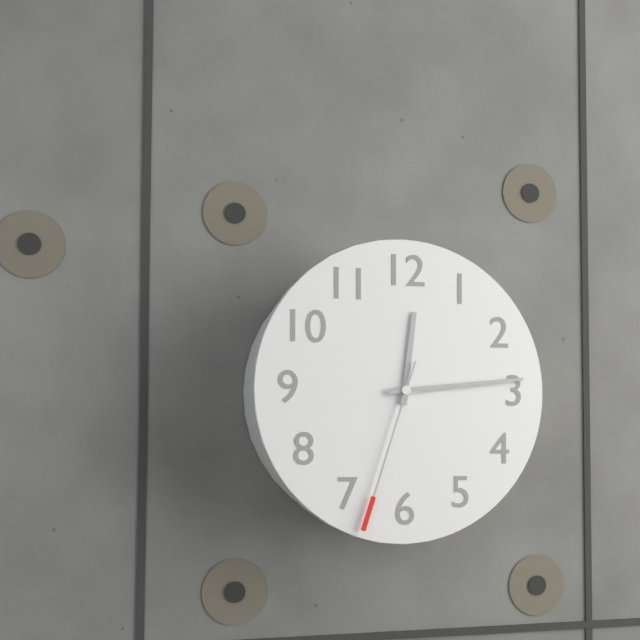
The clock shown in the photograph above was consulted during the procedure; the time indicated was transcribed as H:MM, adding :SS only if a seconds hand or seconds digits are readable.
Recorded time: 12:14:33
